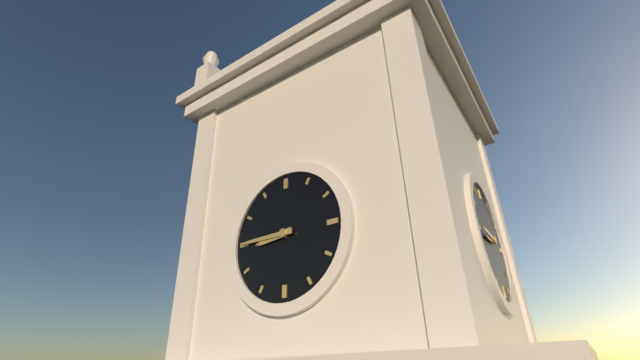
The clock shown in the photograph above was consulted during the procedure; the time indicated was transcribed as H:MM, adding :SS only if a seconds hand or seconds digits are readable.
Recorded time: 8:45
